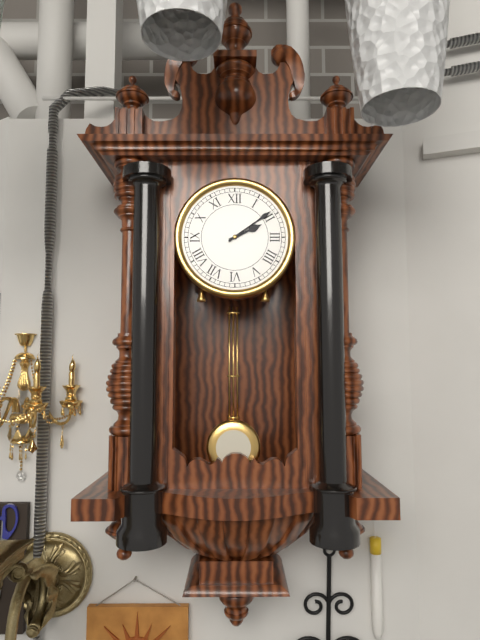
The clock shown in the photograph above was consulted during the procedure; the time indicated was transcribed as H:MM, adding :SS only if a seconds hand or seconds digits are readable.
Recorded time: 2:09
